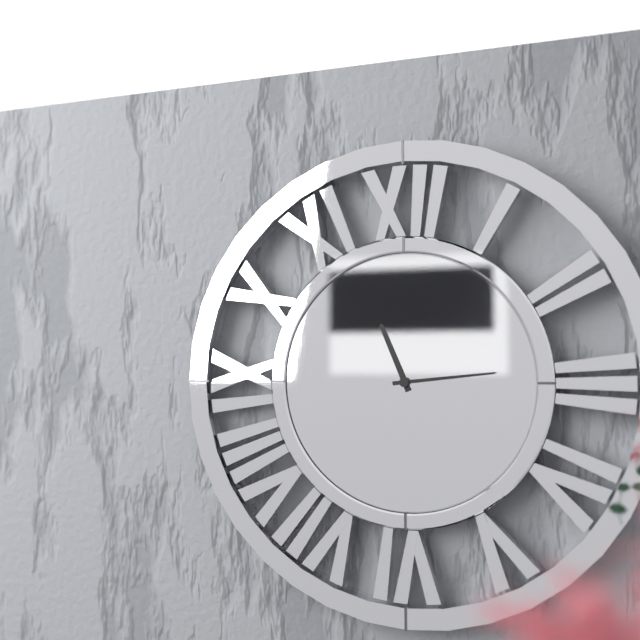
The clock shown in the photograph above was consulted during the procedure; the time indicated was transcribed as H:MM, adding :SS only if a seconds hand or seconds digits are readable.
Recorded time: 11:14
